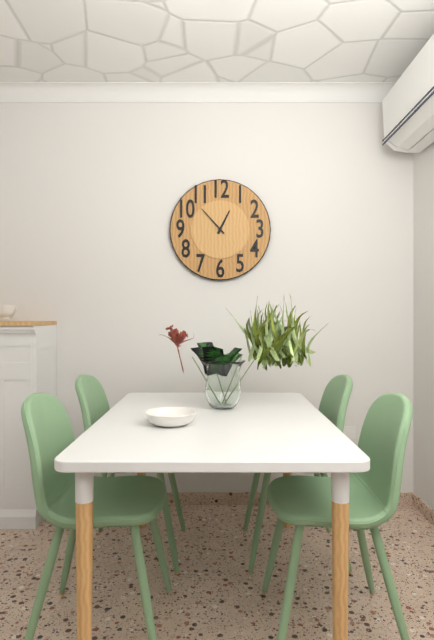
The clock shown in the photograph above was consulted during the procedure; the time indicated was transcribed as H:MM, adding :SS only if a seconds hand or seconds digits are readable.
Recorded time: 12:53
